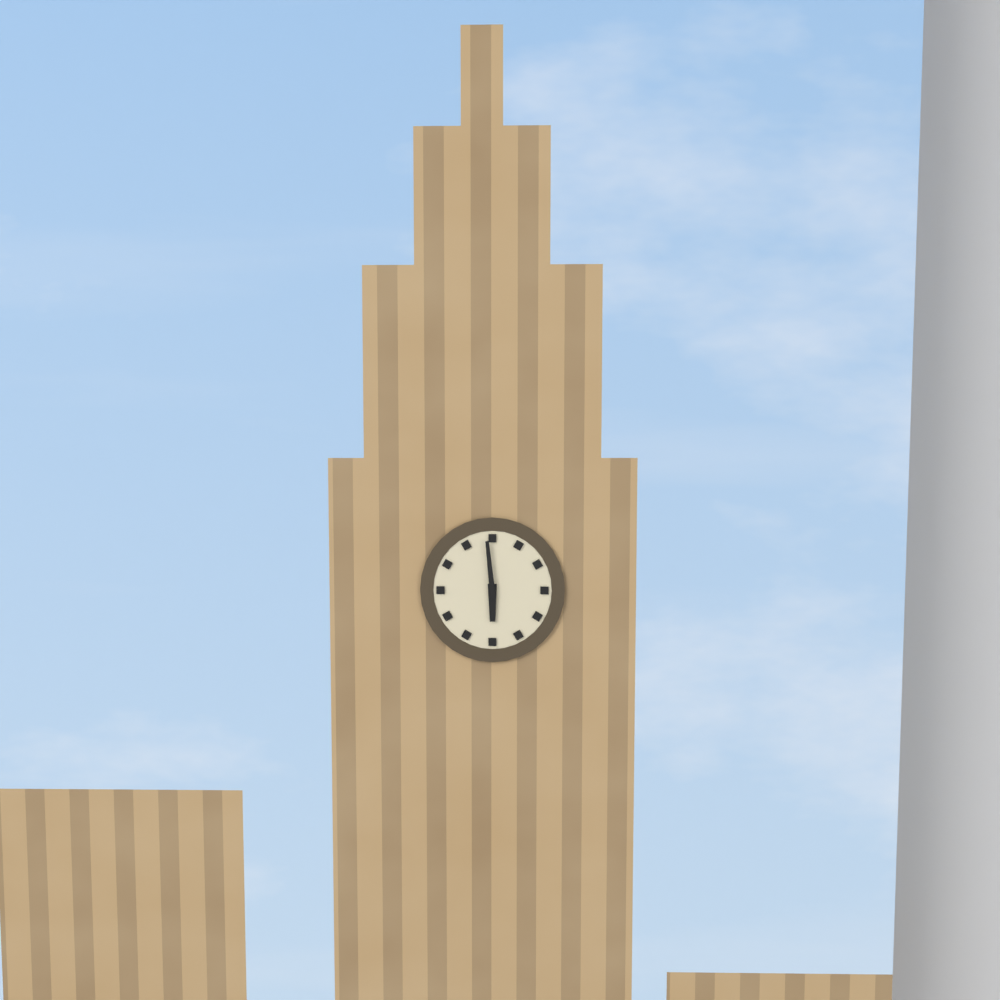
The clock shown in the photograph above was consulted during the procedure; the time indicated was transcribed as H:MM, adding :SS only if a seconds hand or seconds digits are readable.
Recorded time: 5:59
